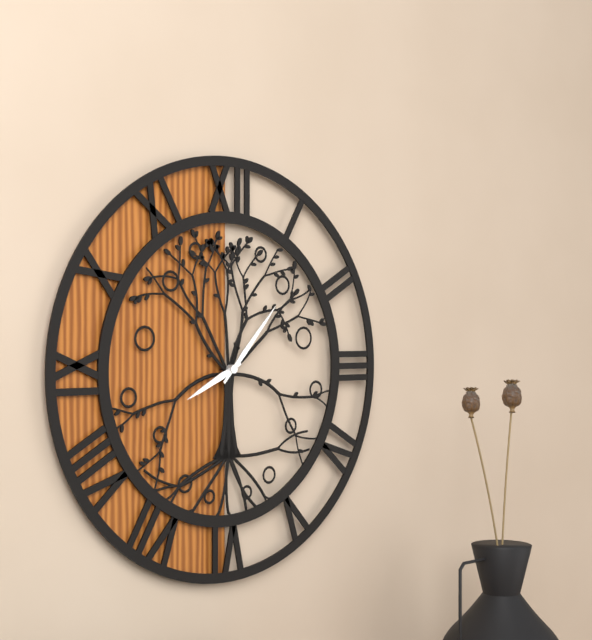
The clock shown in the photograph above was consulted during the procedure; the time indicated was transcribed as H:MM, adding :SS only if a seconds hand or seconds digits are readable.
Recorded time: 8:07
